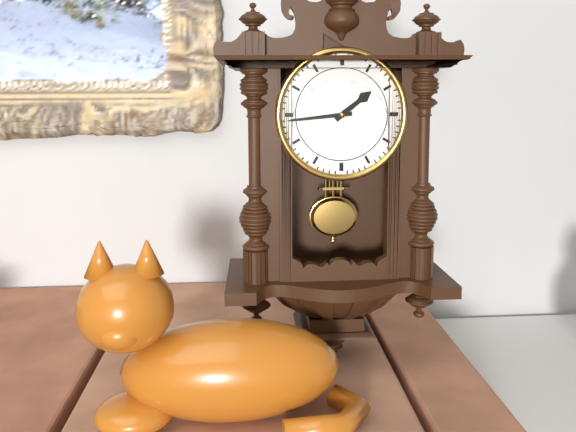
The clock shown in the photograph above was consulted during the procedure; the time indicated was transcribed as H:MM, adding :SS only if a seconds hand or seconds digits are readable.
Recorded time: 1:44
